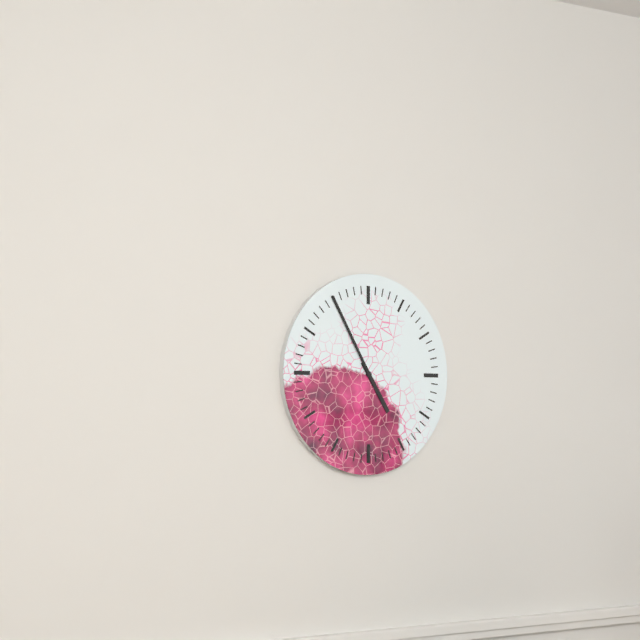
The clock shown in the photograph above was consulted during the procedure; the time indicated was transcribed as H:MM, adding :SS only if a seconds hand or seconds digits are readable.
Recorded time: 4:55
